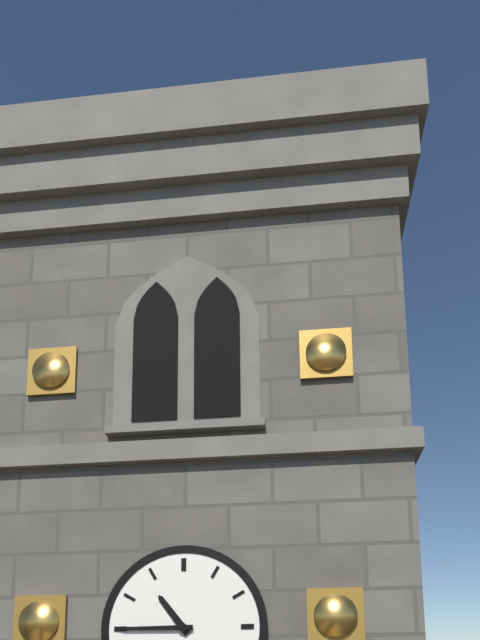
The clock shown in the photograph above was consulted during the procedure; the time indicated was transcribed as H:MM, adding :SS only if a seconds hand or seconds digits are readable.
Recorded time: 10:45
